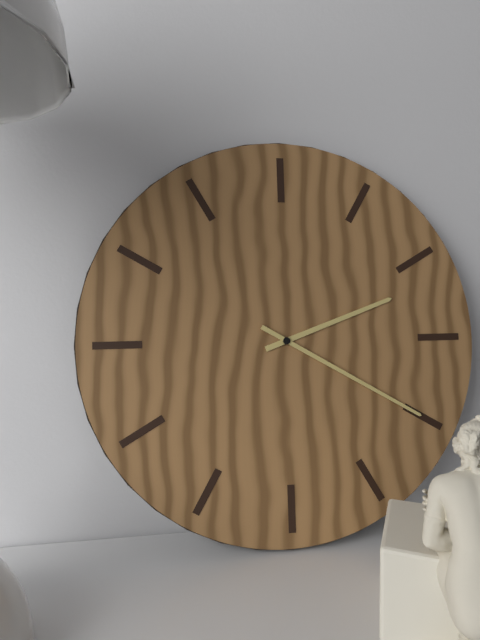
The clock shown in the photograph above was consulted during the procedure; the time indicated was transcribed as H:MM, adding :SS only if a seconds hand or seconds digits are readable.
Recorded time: 2:20
